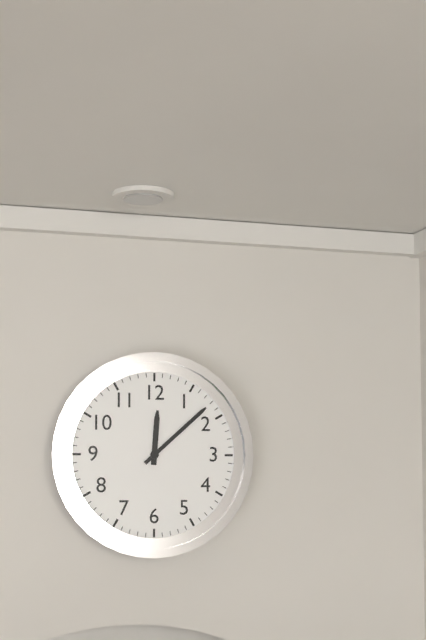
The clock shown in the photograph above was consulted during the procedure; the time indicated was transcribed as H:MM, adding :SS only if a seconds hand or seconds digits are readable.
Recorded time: 12:08
